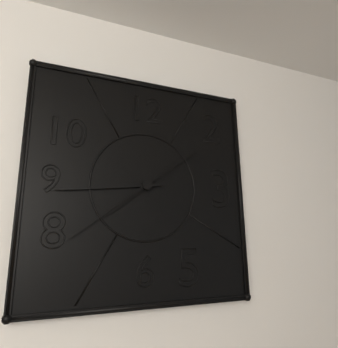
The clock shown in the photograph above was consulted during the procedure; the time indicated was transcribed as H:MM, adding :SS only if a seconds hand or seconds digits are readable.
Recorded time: 7:44:39
